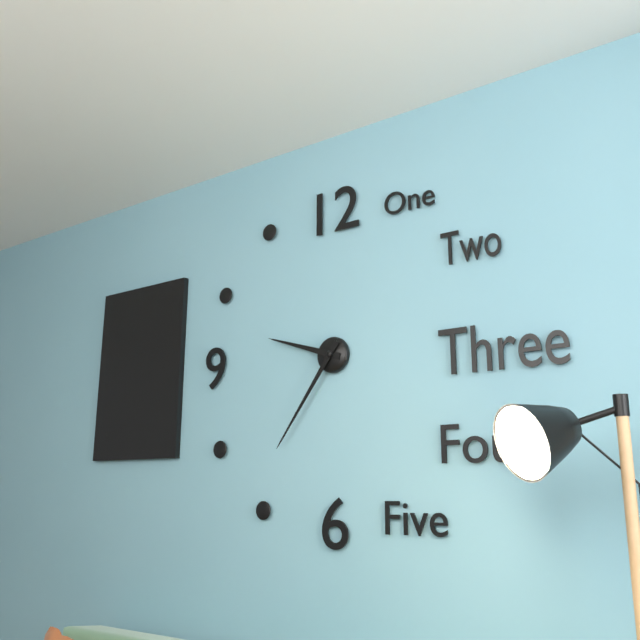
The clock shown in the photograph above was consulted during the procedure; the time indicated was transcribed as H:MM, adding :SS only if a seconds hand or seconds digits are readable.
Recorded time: 9:36
